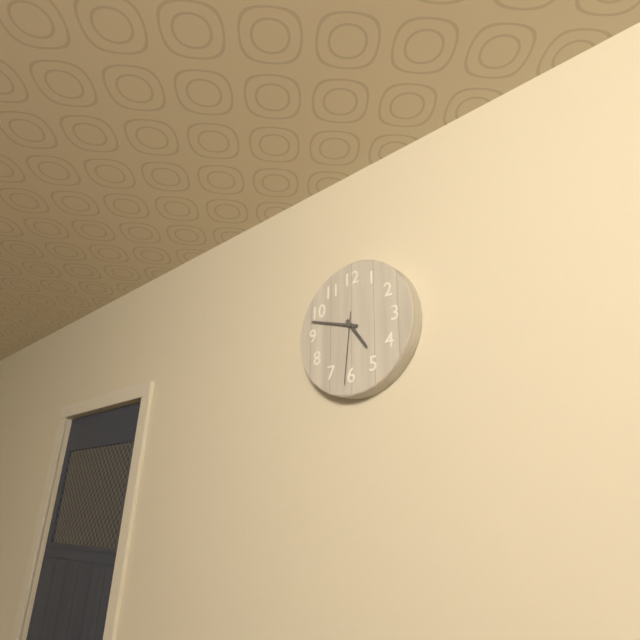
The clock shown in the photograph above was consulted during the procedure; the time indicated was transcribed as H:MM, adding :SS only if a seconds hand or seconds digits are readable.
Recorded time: 4:48:31
